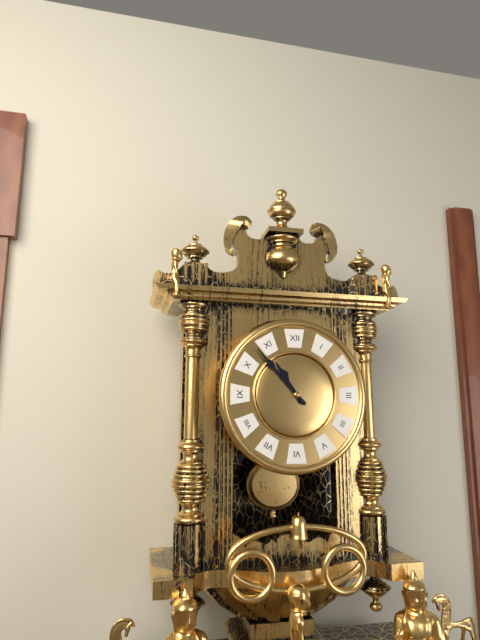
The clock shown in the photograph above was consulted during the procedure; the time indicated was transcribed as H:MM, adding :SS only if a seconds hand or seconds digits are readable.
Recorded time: 10:53
